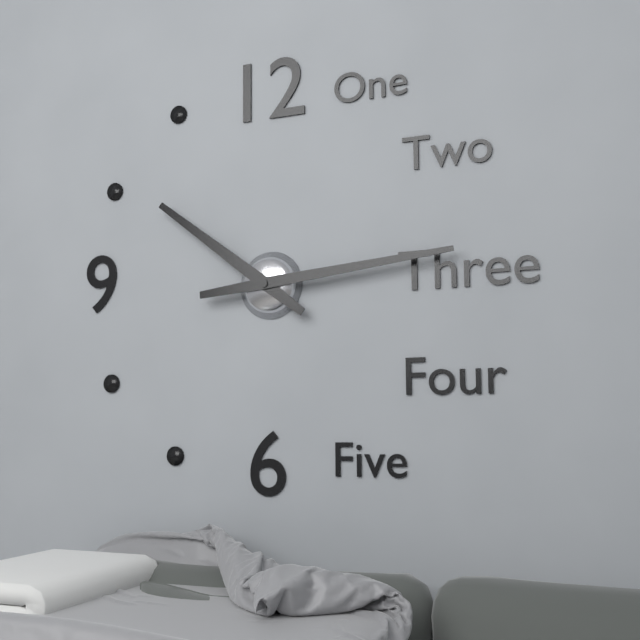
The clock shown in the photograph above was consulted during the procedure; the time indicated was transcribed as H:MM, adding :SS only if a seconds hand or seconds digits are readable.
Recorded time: 10:14
